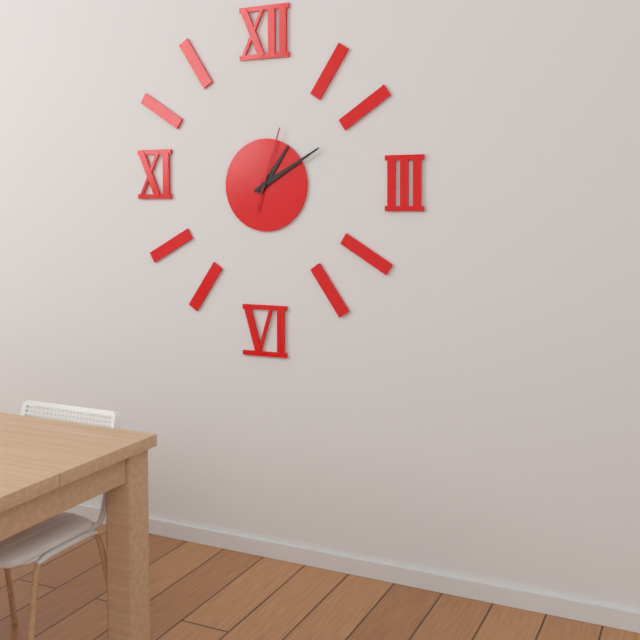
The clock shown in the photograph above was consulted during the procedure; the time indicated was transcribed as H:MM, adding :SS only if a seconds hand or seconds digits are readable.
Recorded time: 1:10:03
